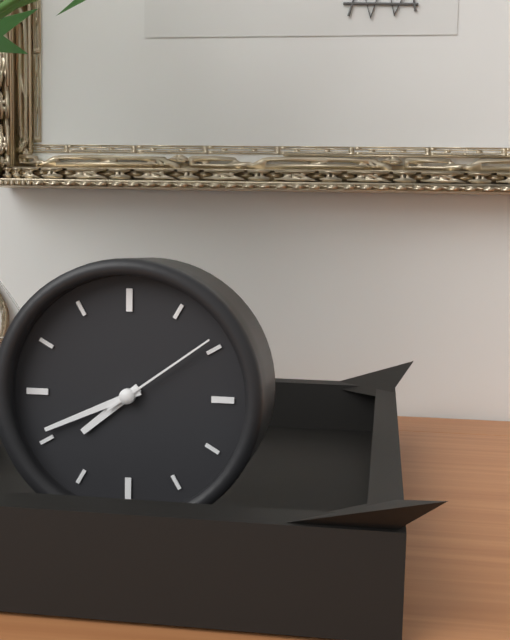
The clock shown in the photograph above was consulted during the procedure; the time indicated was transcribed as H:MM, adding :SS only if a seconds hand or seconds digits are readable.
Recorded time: 7:41:09
